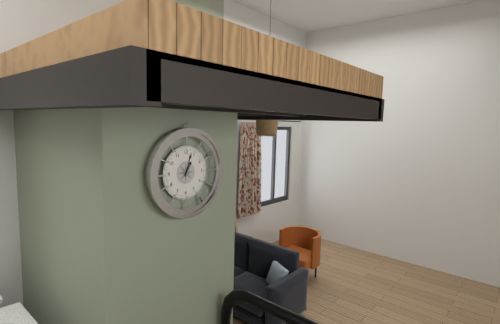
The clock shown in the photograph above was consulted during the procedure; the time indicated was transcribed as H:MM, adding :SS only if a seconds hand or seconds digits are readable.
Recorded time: 1:03
